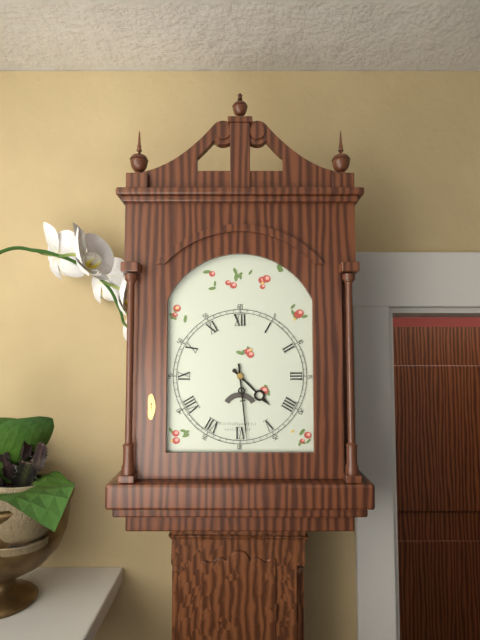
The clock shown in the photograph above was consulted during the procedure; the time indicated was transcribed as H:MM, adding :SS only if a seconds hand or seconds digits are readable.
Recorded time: 4:29
